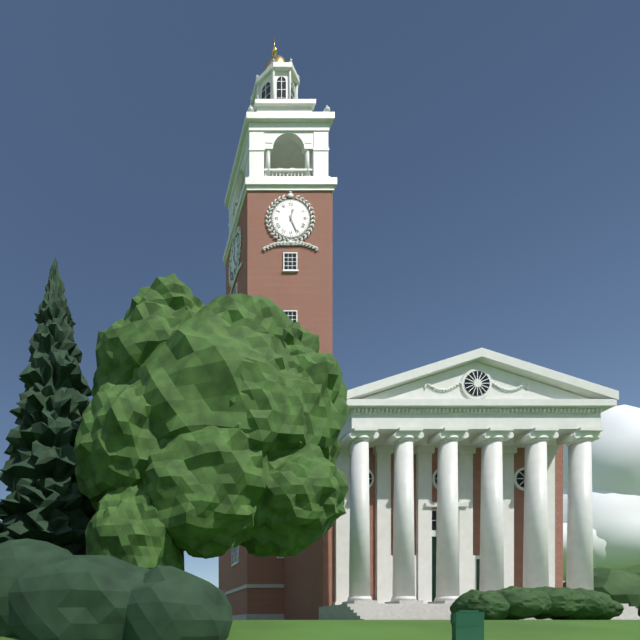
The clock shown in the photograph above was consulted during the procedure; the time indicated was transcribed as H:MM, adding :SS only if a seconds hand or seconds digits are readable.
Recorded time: 12:26
